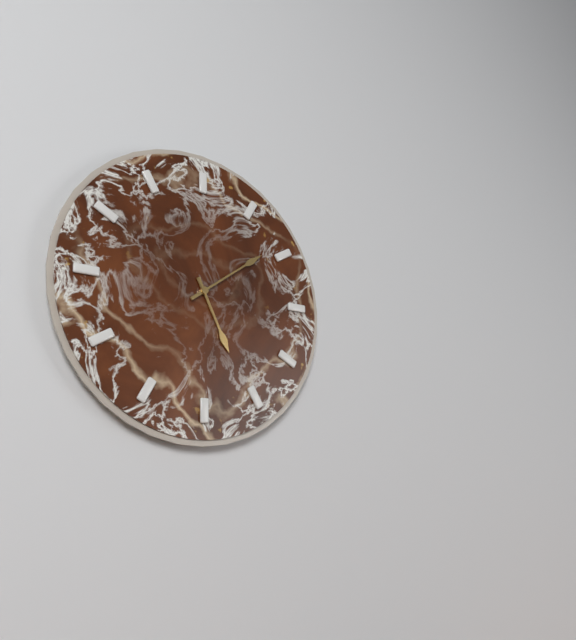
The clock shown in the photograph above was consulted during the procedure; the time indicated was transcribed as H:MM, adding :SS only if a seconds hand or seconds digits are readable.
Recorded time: 5:09
